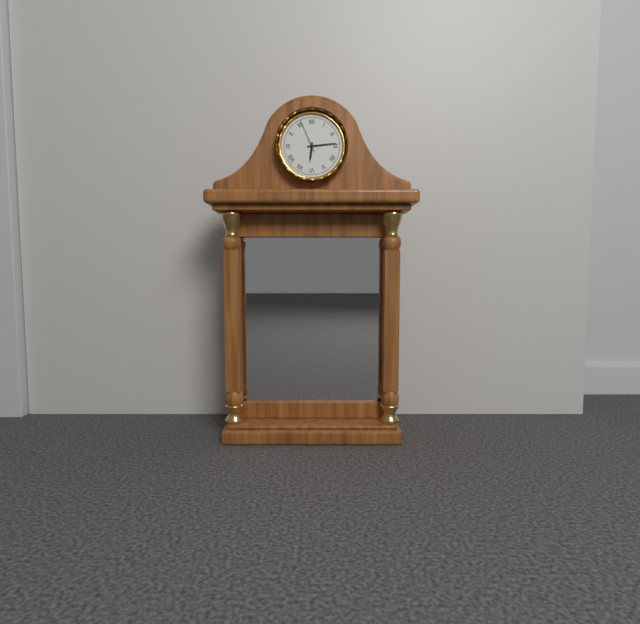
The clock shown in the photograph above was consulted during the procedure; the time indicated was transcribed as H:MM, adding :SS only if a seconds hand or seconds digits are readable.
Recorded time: 6:14
